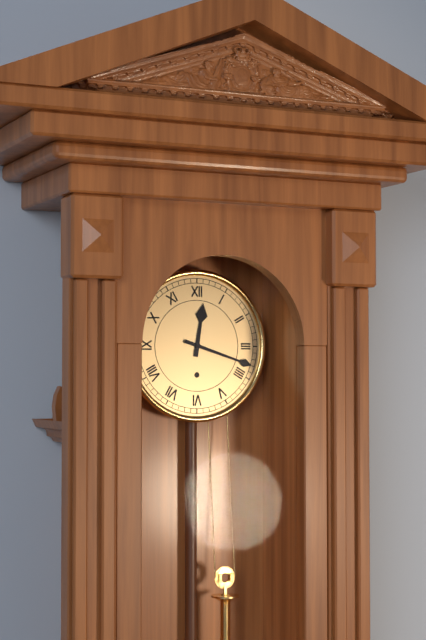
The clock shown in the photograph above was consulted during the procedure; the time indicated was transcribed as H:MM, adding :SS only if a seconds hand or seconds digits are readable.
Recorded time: 12:18
